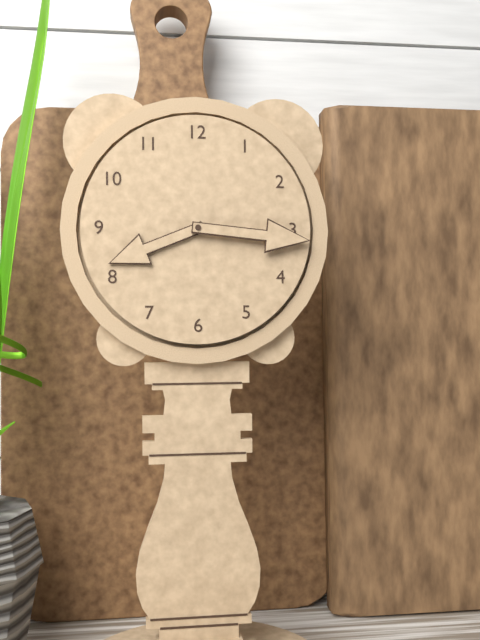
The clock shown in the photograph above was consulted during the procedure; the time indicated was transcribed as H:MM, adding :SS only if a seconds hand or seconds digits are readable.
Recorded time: 8:16
